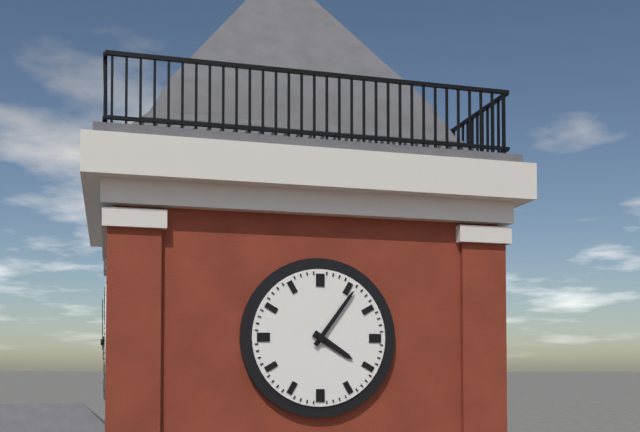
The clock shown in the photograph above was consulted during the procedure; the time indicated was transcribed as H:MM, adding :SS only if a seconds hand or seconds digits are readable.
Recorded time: 4:06
